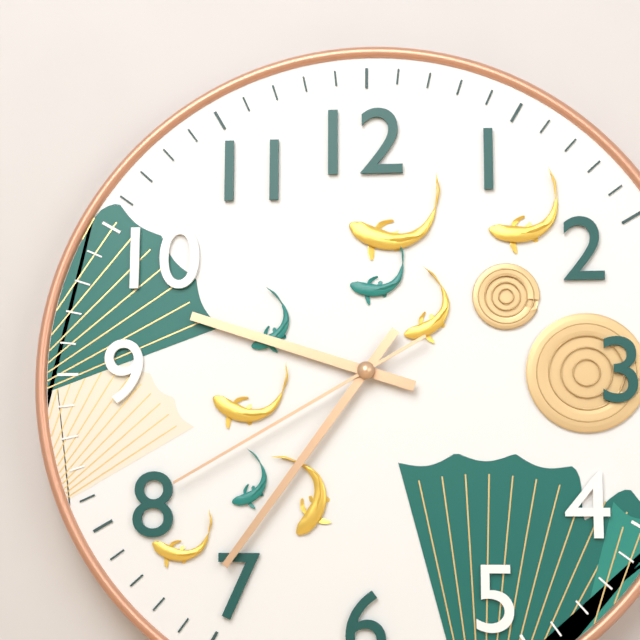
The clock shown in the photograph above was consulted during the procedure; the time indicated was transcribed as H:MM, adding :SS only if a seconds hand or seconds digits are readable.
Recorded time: 9:36:40
